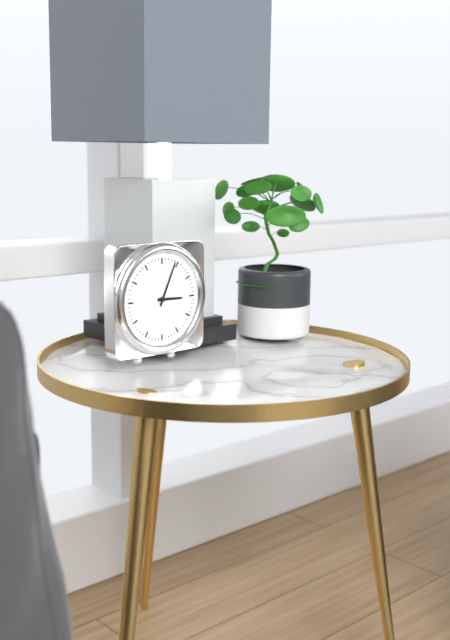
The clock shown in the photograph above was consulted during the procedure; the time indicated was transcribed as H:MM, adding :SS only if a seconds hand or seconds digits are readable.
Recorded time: 3:04
